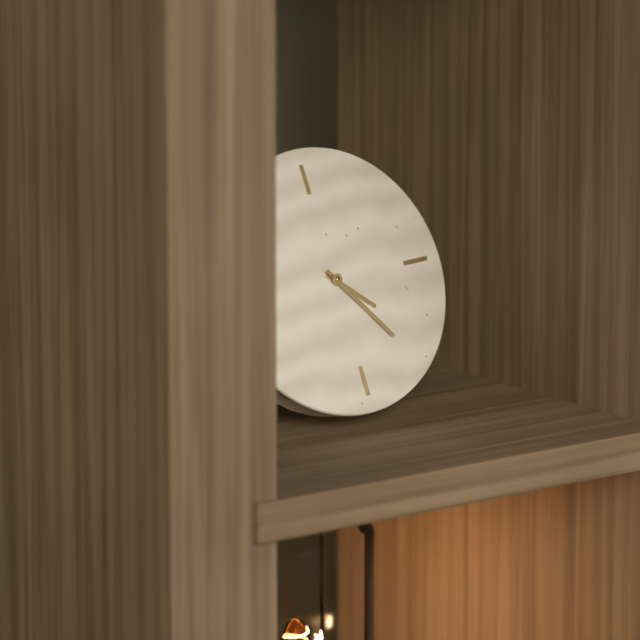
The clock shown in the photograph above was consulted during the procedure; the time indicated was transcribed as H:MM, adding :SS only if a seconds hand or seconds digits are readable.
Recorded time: 4:24
